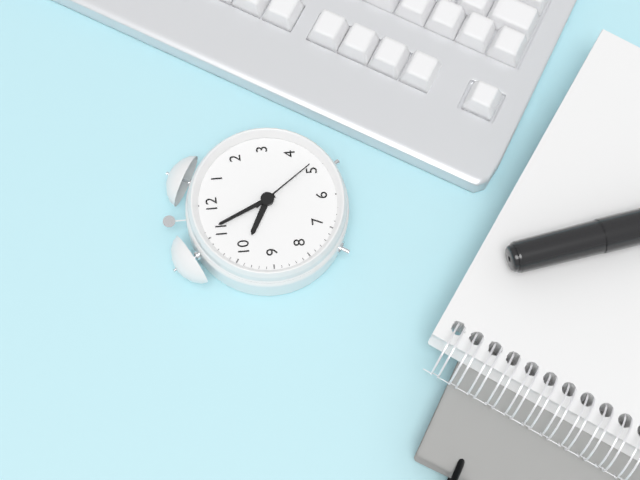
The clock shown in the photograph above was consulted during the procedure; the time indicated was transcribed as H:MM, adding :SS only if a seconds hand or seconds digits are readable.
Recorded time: 9:56:24
